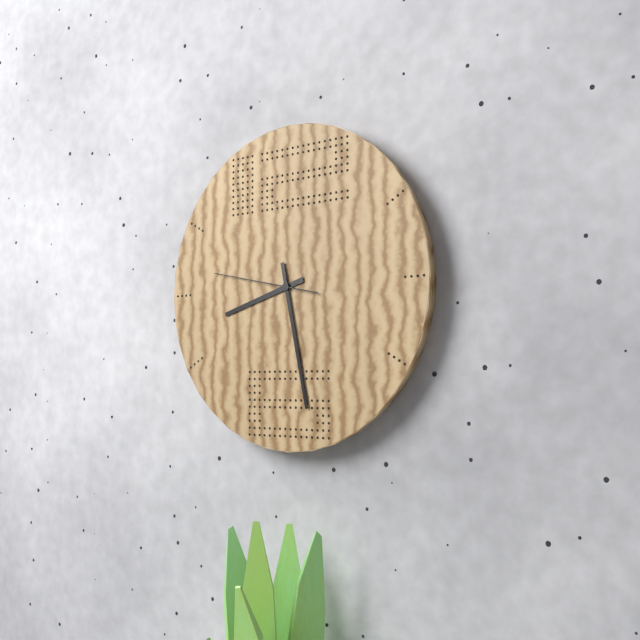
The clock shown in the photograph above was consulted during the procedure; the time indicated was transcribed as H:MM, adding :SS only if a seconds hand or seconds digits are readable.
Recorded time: 8:28:47
